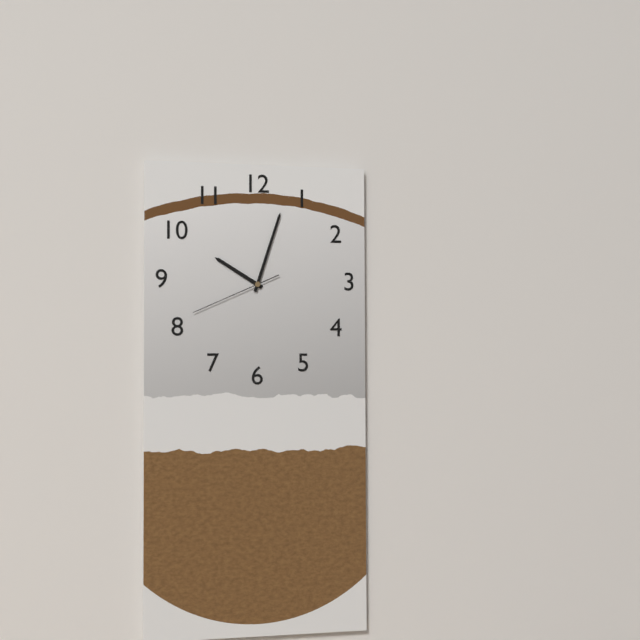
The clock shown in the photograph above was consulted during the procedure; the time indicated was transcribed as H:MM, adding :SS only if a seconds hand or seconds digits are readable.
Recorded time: 10:03:41
